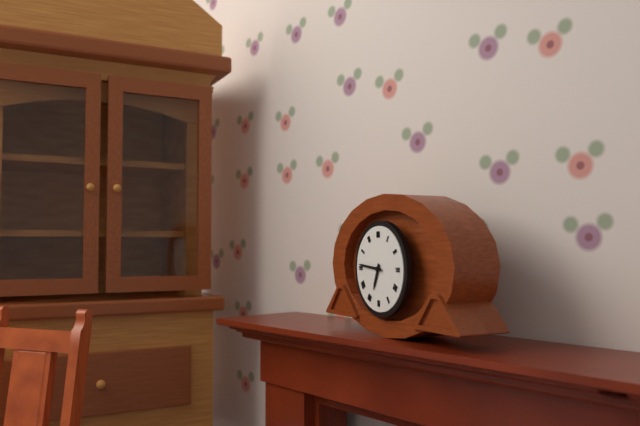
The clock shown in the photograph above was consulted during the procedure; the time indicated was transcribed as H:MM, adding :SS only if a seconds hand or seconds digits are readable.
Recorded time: 6:46
